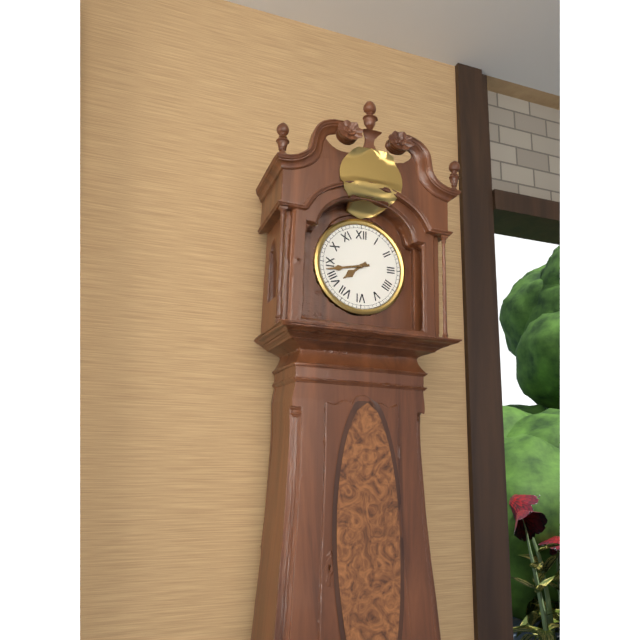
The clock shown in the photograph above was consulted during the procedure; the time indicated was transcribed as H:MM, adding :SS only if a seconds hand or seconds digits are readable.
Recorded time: 7:43
